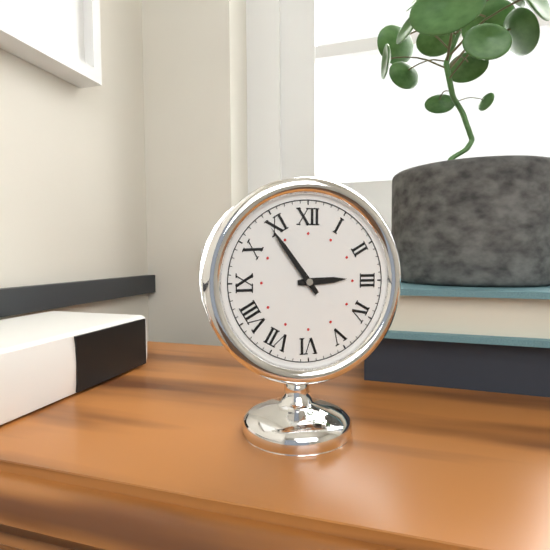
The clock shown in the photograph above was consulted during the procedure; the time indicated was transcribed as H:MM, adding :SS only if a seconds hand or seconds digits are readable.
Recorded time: 2:54
